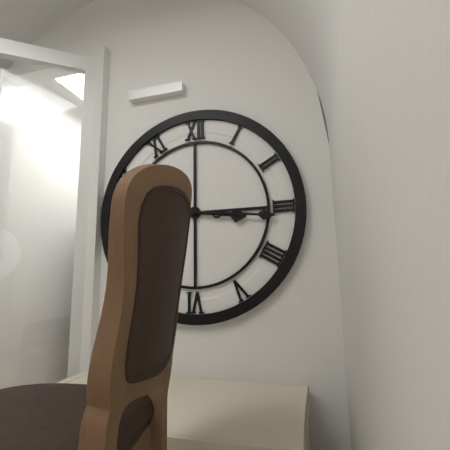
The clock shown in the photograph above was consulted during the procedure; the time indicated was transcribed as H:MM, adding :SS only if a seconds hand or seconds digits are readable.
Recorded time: 3:16
